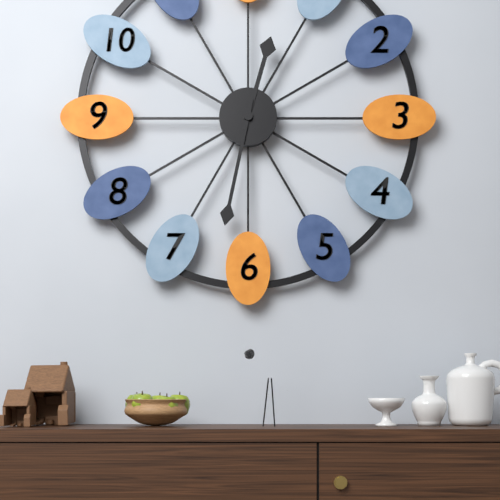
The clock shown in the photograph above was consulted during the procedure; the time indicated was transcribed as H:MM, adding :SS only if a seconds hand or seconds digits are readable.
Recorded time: 12:32
